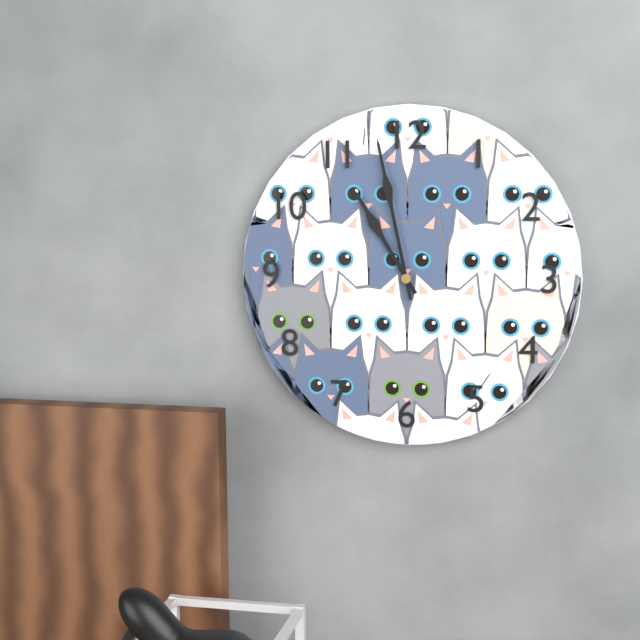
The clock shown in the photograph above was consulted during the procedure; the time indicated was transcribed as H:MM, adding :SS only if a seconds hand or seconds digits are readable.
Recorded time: 10:58
